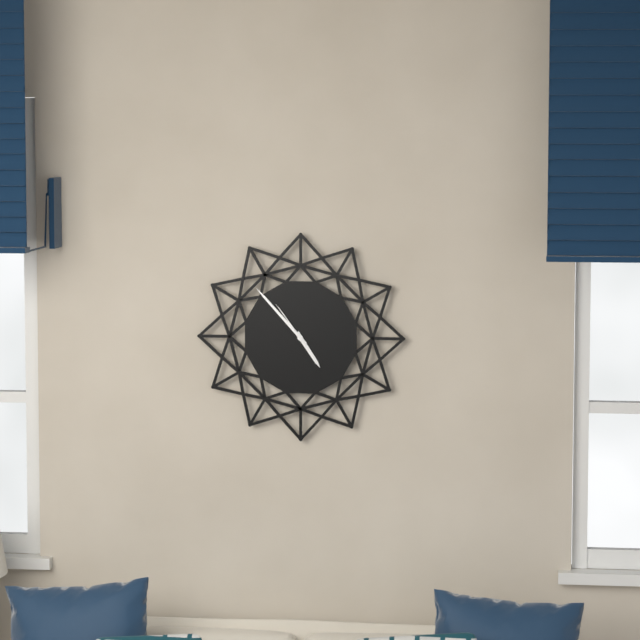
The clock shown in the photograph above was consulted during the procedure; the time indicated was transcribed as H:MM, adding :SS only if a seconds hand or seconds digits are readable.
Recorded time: 4:53:54
